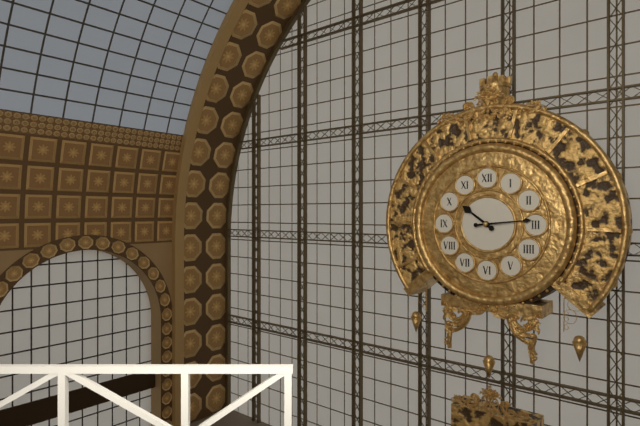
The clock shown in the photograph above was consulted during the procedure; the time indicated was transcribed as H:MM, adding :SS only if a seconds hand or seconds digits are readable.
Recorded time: 10:14
